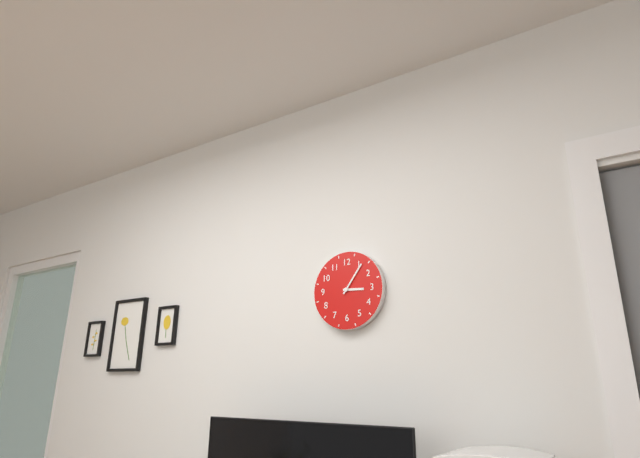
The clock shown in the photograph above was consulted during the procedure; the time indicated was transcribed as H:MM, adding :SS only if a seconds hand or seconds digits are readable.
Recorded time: 3:06
